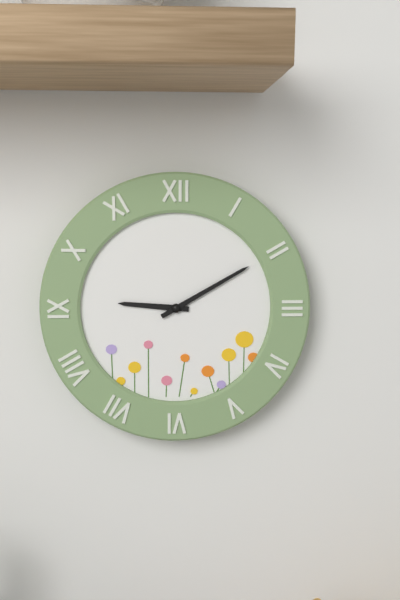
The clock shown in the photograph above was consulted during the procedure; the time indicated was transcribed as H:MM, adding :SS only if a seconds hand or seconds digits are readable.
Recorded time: 9:10
